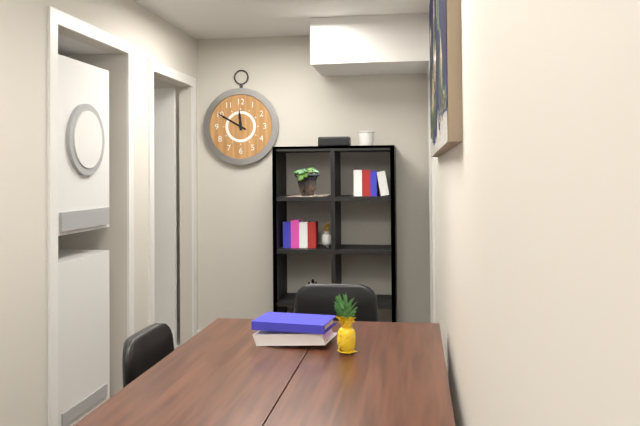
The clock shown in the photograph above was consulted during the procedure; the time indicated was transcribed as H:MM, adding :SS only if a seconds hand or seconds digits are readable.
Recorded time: 11:50
